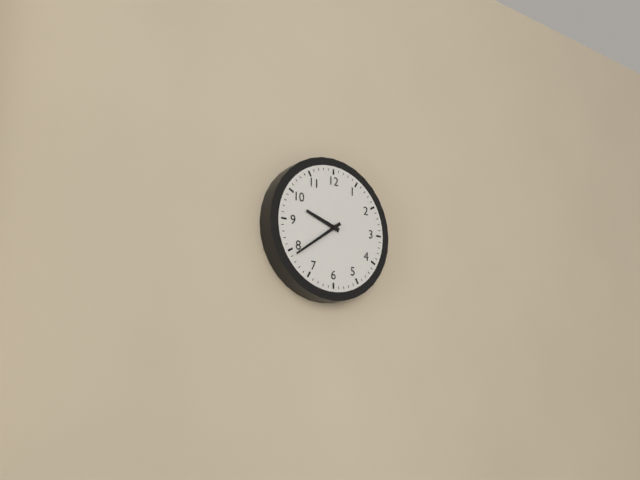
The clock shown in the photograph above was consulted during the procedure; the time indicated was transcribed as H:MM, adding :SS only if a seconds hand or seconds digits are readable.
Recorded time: 9:39
